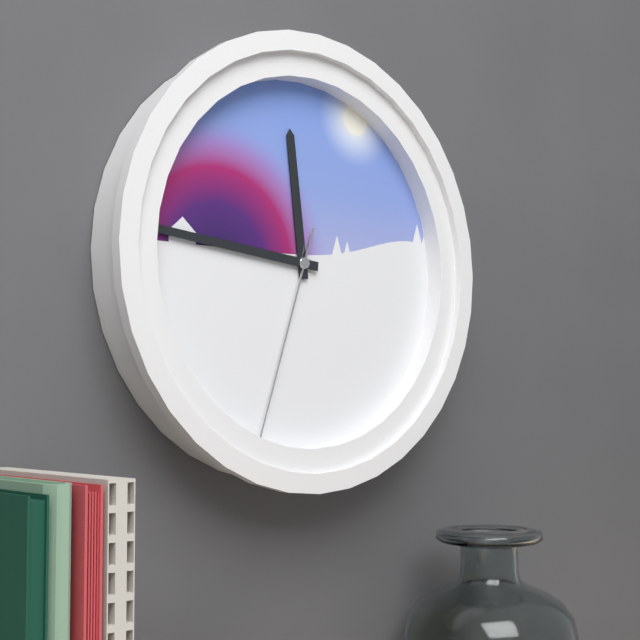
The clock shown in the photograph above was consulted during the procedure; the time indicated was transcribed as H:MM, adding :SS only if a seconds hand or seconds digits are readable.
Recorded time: 11:46:33
